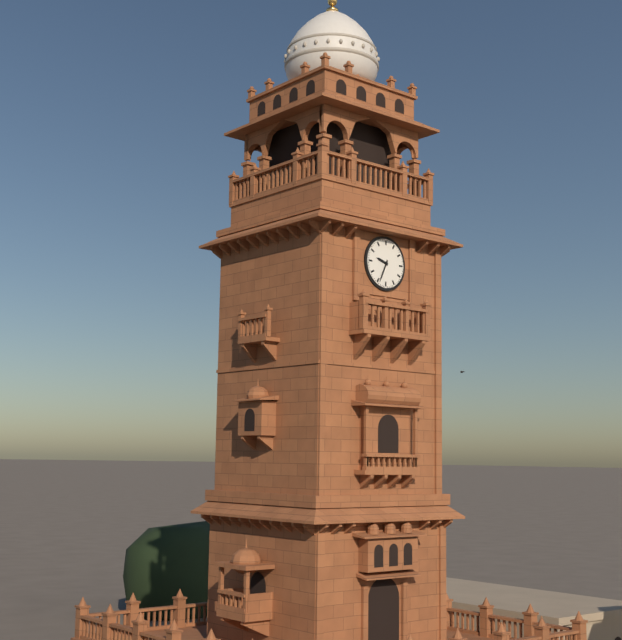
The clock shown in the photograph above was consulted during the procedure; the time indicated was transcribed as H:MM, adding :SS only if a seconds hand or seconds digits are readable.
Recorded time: 9:34
